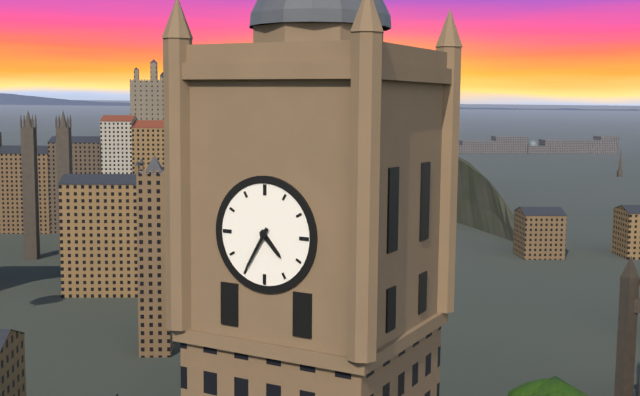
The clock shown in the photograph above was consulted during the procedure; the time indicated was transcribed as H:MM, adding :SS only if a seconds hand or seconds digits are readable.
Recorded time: 4:35
